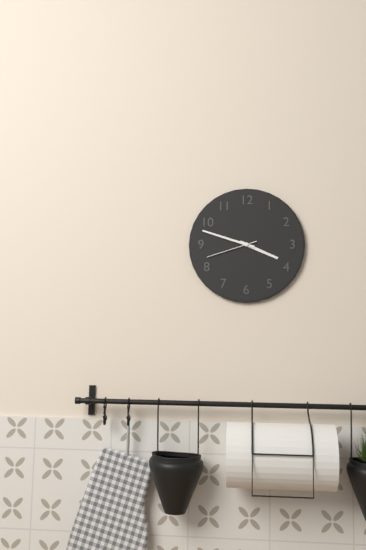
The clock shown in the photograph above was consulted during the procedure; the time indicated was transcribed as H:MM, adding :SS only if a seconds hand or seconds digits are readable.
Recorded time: 3:48:42
